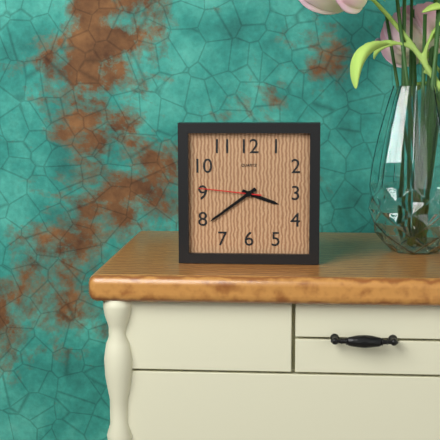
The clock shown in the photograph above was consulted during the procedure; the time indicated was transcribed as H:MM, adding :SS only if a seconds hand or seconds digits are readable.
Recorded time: 3:39:46
